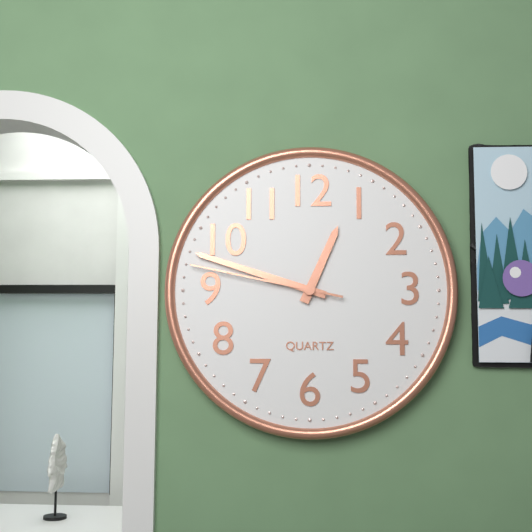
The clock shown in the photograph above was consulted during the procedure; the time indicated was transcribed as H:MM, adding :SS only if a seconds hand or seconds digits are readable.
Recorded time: 12:48:47
